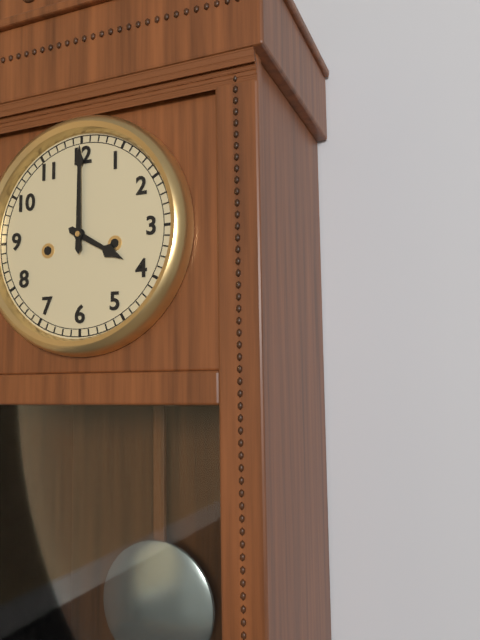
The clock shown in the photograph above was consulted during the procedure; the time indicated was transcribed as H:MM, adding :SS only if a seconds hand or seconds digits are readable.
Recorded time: 4:00
